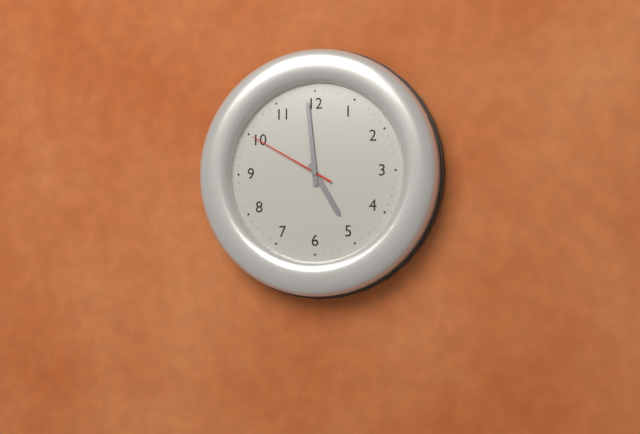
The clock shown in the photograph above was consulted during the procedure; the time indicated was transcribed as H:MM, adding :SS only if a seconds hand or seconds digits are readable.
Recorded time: 4:59:50
